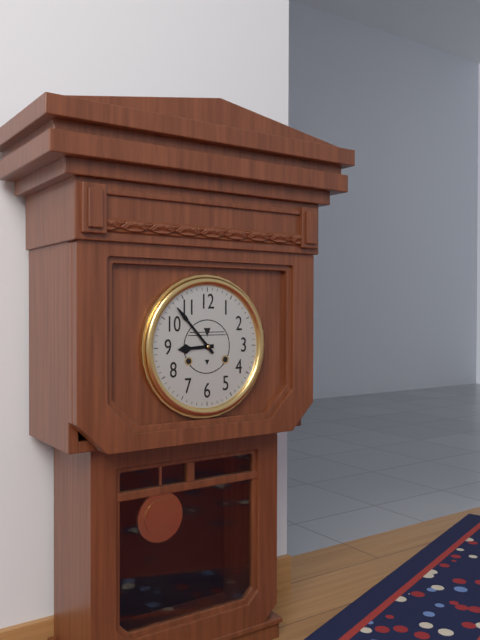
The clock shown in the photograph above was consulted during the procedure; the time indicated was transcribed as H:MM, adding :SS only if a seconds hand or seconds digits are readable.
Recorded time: 8:53
